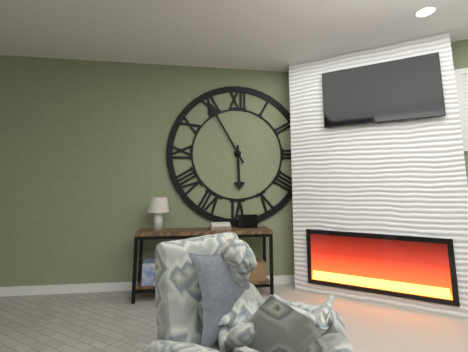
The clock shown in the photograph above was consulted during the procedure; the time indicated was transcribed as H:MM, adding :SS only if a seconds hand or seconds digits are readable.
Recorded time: 5:55
